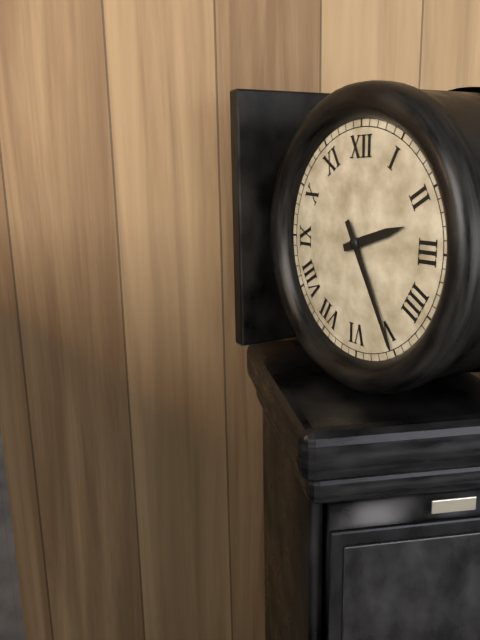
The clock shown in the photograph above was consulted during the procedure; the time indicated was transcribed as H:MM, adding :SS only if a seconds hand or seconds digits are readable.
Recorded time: 2:25
